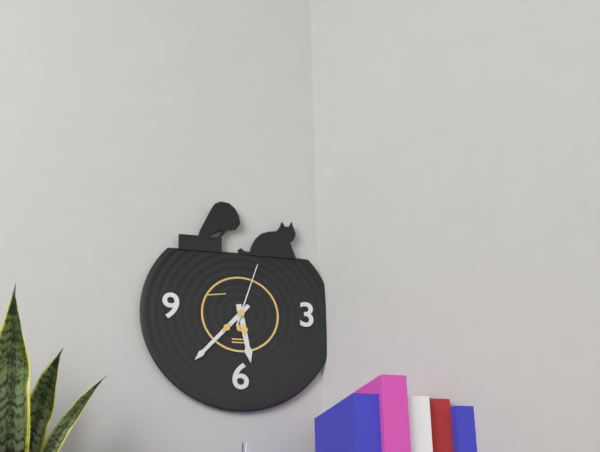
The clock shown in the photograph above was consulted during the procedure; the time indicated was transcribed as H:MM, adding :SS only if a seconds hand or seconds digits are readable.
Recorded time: 5:37:03
